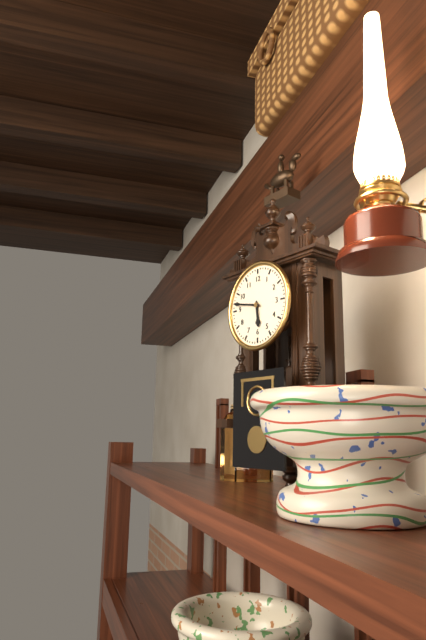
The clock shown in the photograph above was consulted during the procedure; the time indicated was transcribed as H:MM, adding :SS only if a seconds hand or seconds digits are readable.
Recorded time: 5:47
